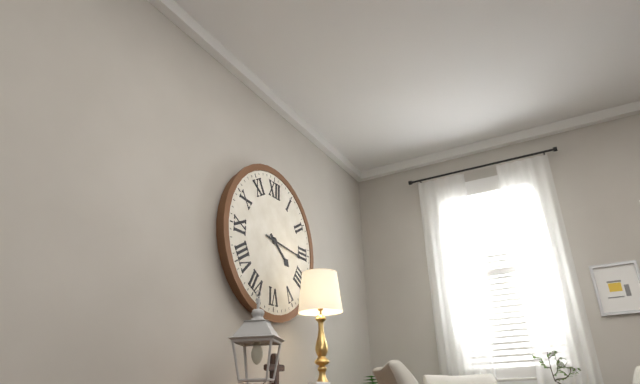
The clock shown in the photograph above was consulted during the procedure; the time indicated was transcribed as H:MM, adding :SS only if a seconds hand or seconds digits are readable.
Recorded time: 4:16
